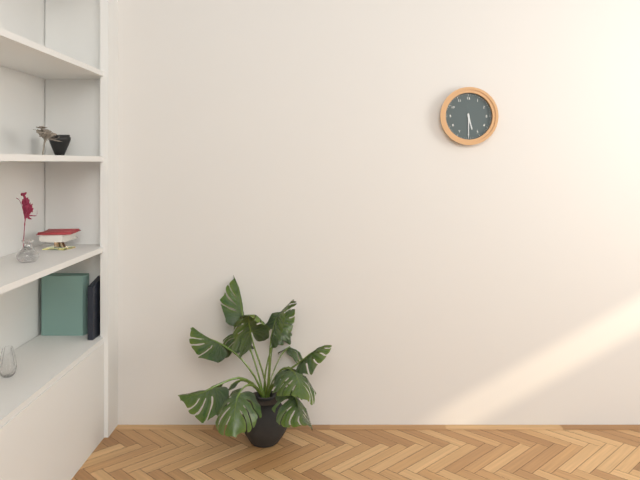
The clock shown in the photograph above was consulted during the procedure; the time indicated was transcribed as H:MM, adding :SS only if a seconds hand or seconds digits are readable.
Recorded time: 5:30
